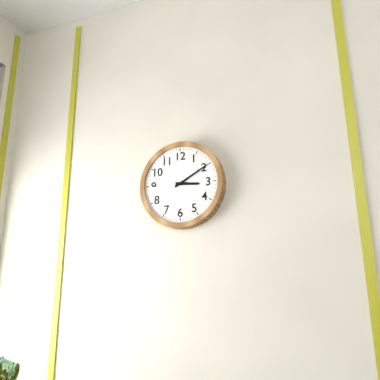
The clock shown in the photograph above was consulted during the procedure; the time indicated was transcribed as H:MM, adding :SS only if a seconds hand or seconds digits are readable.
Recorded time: 3:10
